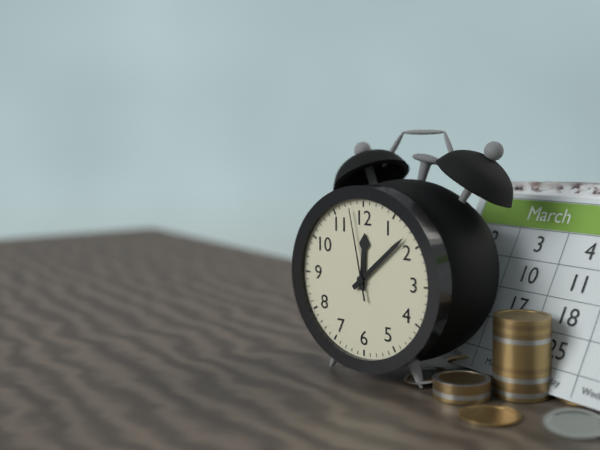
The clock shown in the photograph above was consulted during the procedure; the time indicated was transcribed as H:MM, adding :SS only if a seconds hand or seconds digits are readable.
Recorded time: 12:08:58
